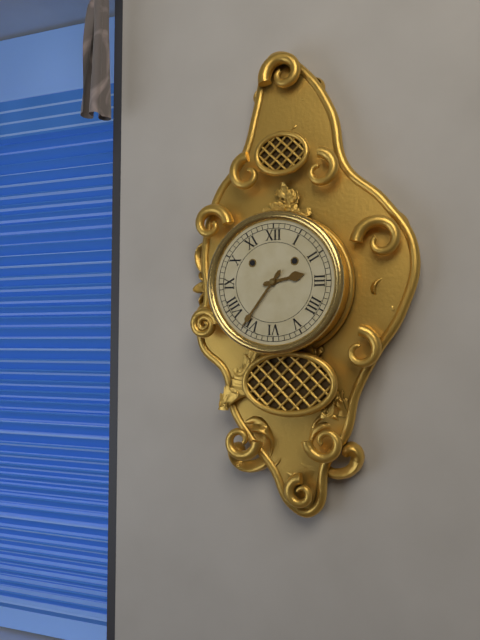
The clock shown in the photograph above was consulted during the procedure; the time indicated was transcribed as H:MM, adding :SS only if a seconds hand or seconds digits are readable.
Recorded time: 2:36
